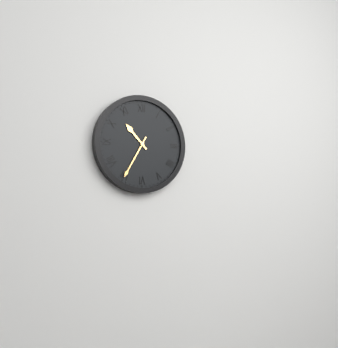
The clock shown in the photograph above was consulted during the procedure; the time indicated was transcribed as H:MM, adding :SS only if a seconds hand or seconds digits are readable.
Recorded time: 10:35
